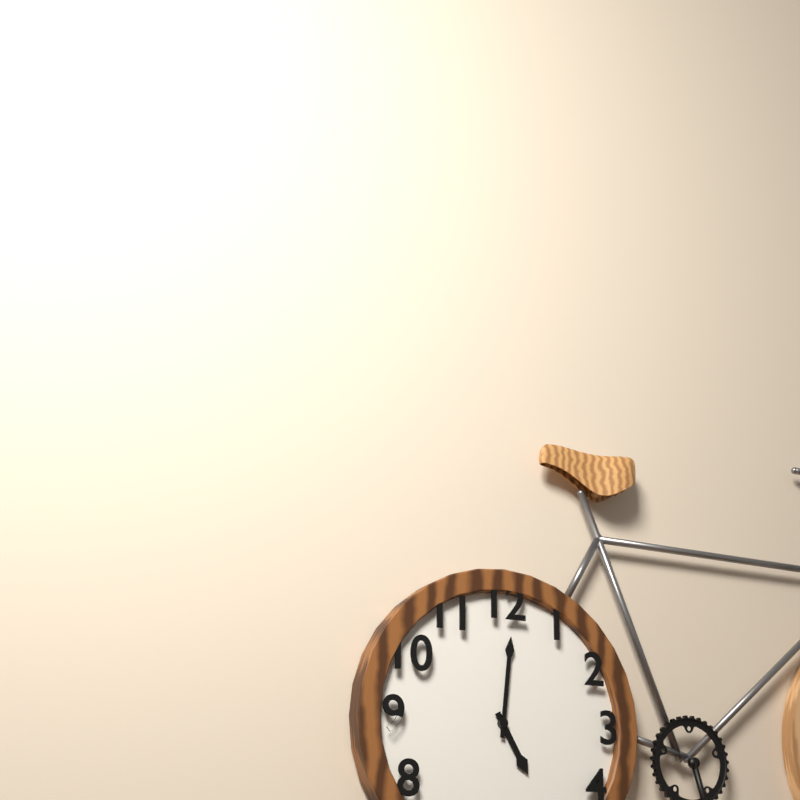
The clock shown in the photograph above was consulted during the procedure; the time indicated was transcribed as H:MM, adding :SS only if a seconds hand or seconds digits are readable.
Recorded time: 5:01
